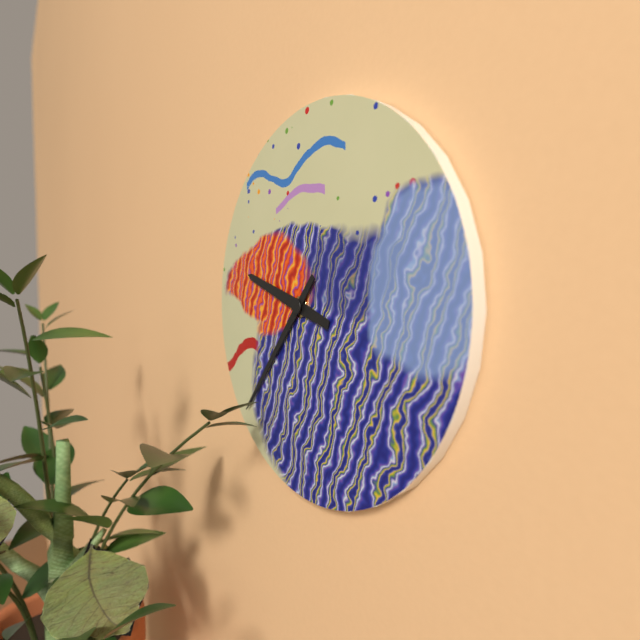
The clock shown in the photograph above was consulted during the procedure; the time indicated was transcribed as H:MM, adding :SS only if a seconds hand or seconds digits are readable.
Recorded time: 9:37
